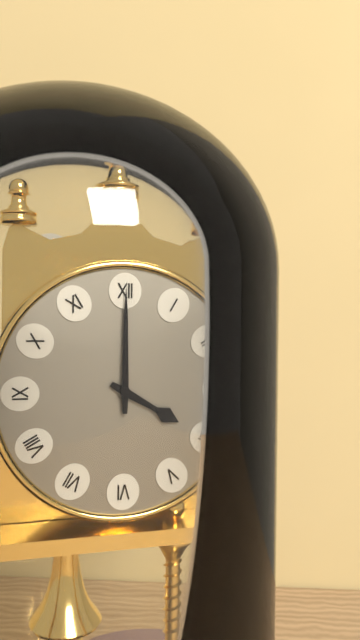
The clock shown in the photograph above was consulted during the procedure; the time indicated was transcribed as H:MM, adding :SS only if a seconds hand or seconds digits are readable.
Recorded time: 4:00
